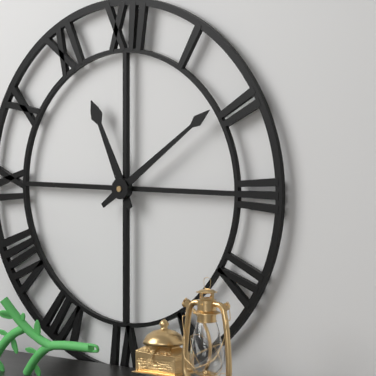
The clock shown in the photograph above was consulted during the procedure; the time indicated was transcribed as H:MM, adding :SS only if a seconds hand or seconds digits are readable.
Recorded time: 11:09
